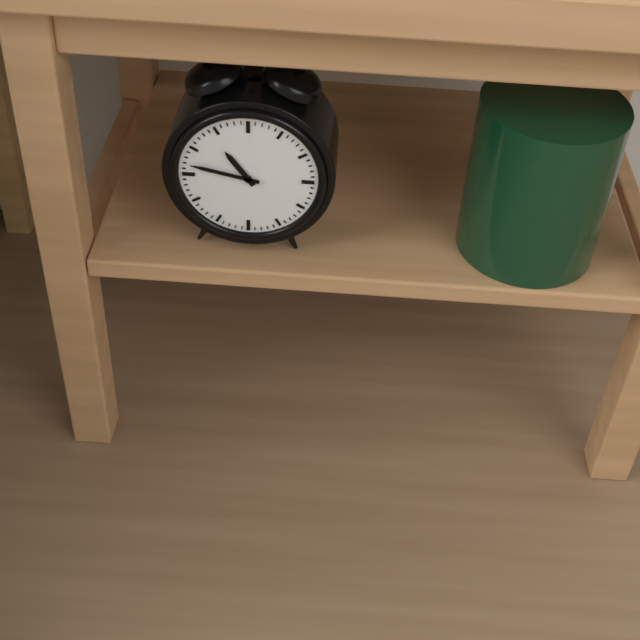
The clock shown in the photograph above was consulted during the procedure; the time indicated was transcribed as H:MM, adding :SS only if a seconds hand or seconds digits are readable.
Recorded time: 10:47
